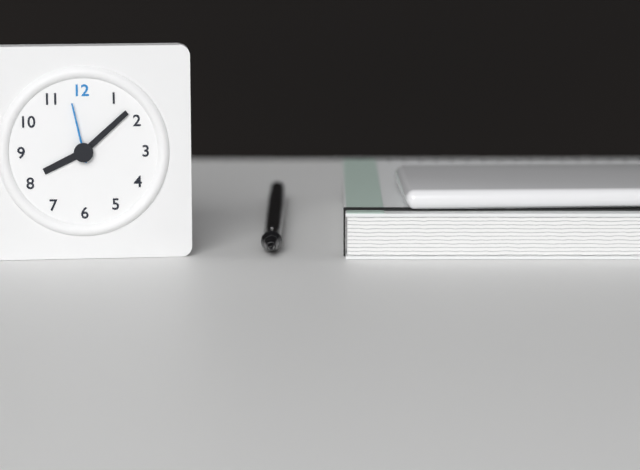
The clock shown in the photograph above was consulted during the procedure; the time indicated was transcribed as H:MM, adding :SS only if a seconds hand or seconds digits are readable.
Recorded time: 8:08:58
